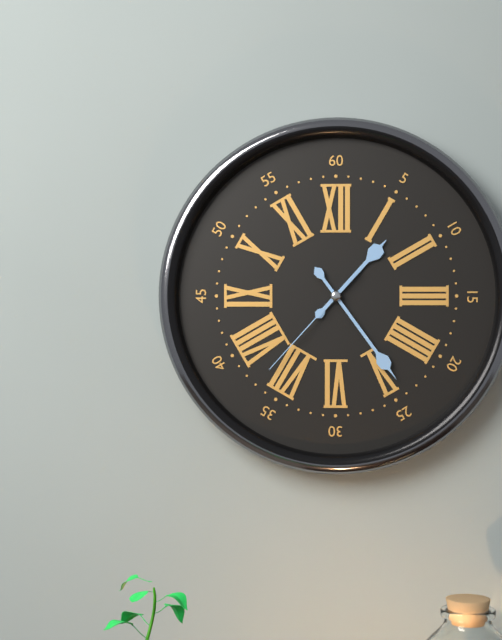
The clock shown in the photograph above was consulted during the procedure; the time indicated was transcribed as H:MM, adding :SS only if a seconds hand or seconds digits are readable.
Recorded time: 1:24:37
